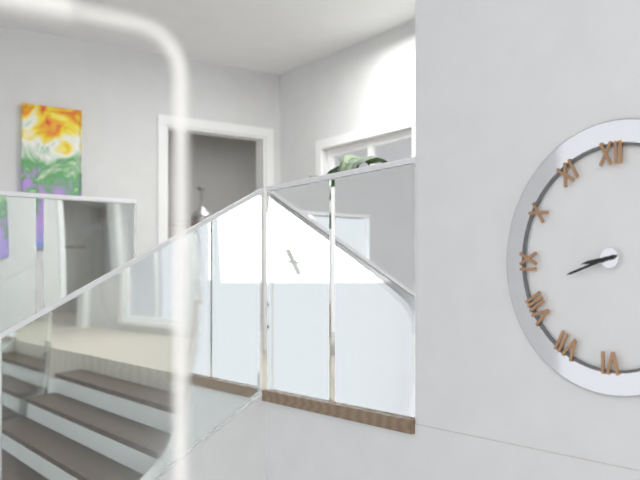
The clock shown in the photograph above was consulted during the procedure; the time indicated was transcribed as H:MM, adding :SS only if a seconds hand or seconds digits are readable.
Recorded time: 8:42
